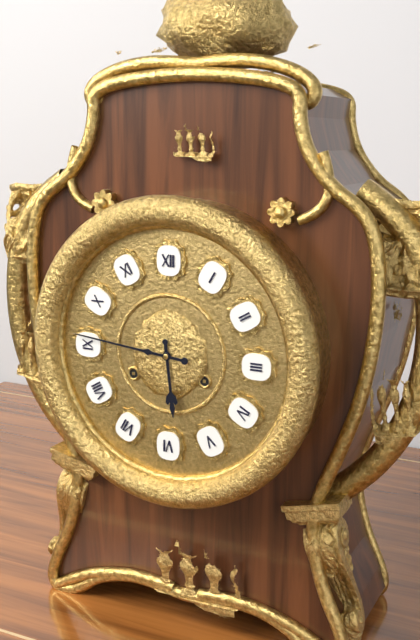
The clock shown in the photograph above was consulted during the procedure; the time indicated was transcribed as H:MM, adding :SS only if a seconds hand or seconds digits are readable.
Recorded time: 5:46
